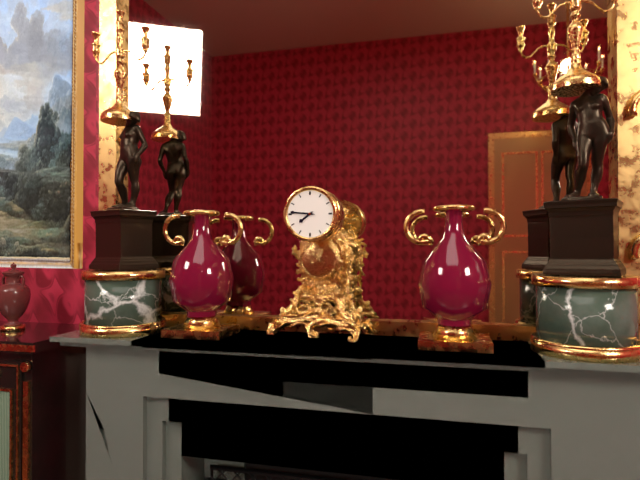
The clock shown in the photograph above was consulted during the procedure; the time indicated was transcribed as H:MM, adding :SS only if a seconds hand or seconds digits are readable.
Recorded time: 7:46
